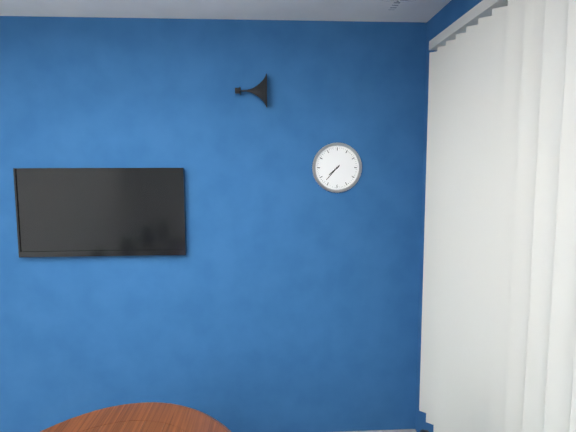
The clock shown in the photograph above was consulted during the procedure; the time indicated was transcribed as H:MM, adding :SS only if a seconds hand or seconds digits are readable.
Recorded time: 7:37
